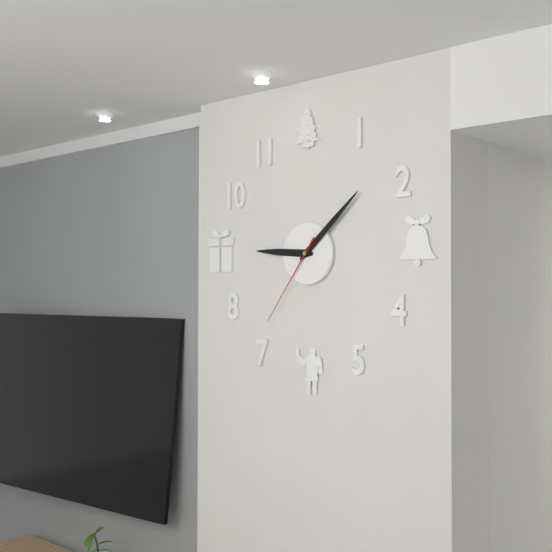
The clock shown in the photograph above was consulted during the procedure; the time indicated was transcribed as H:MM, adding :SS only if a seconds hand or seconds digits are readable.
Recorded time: 9:08:36
